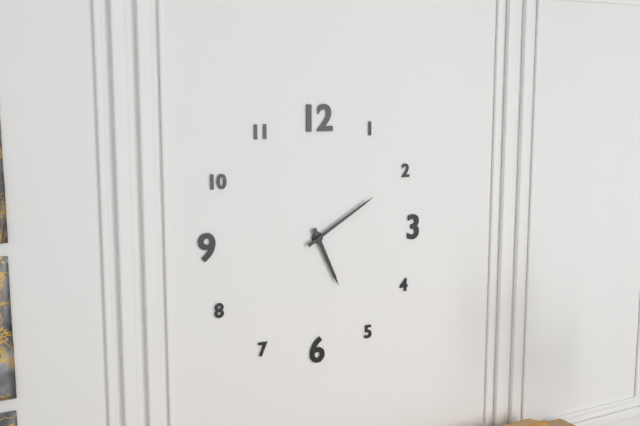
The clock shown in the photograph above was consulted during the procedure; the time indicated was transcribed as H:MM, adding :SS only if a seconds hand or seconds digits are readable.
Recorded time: 5:10
